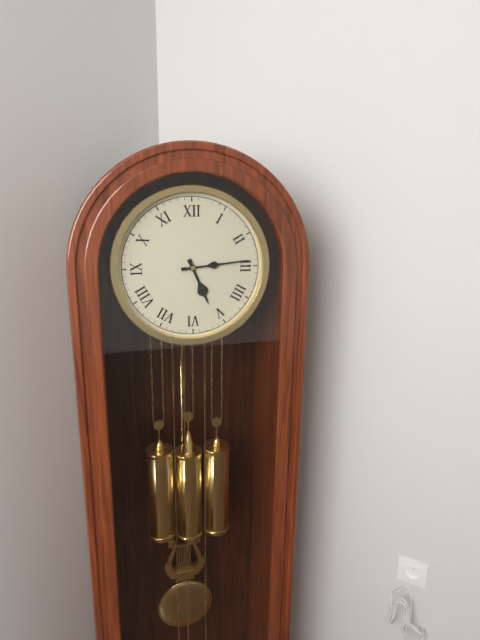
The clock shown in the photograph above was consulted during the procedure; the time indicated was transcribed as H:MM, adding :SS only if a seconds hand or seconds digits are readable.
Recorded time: 5:14
